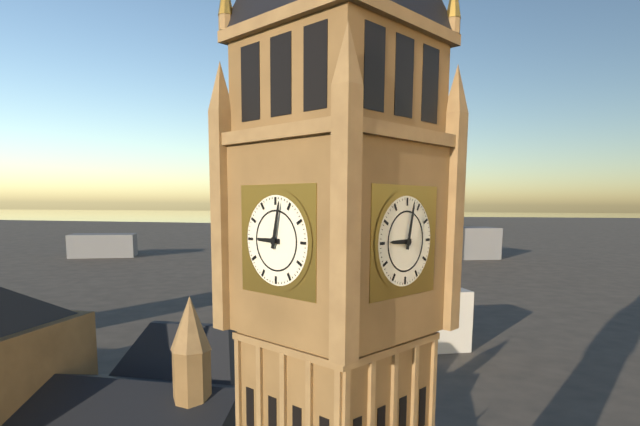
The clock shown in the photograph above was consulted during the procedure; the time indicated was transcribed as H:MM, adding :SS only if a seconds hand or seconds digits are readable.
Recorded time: 9:02
